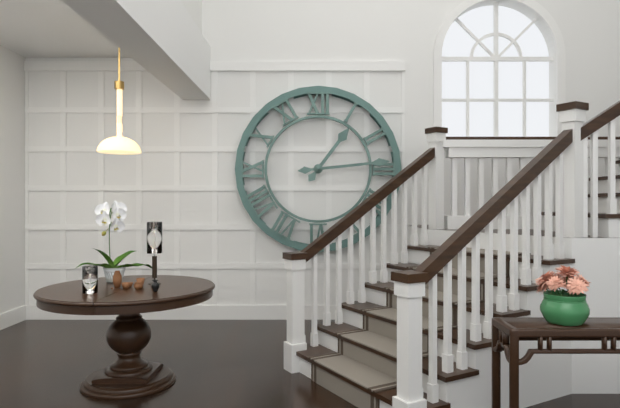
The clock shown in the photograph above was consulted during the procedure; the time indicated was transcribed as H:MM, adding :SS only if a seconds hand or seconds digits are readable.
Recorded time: 1:14
